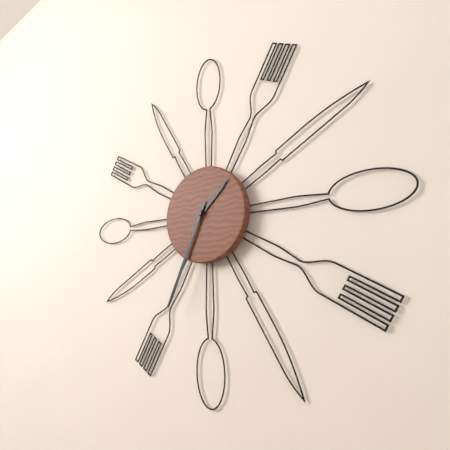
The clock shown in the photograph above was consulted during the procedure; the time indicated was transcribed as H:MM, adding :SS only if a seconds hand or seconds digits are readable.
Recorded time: 1:34
